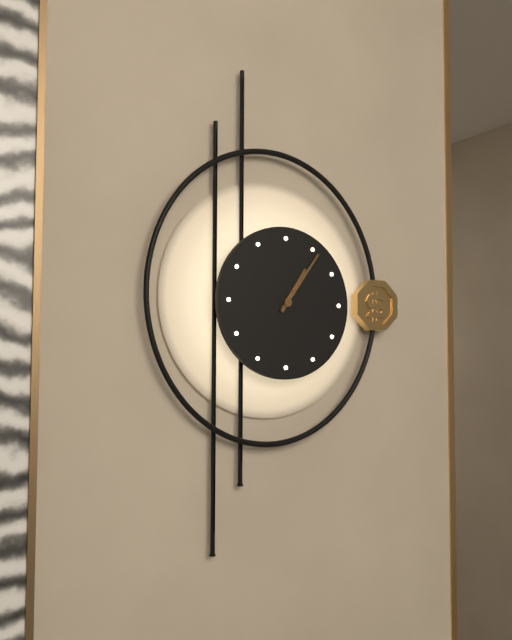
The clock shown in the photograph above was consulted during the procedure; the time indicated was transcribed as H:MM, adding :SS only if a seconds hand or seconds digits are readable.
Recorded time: 1:06
